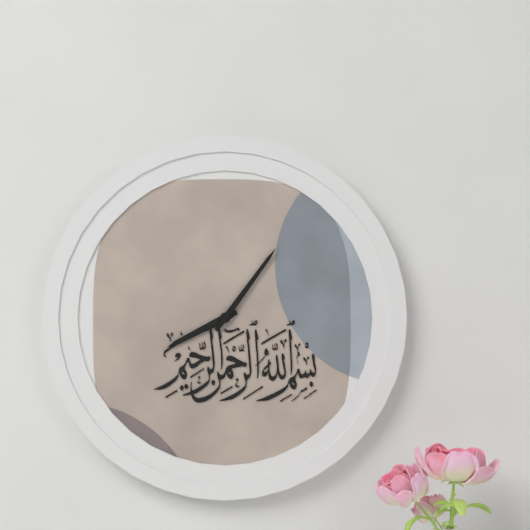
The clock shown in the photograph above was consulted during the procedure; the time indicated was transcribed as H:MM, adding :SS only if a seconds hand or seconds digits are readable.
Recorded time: 8:06
